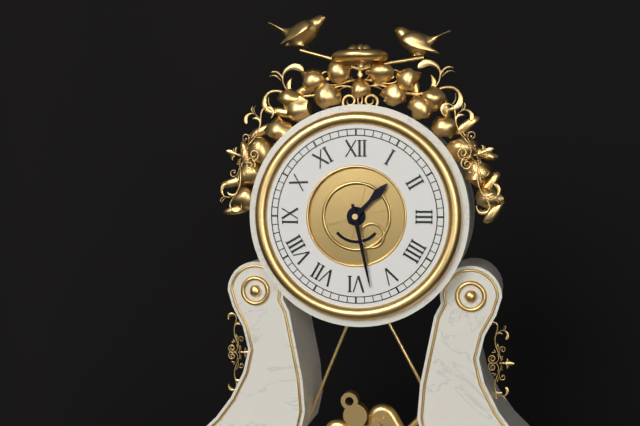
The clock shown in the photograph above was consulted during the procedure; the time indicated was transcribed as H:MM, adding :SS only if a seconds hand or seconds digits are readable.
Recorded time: 1:28
